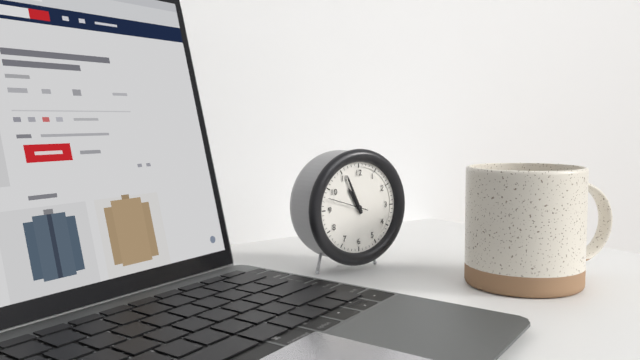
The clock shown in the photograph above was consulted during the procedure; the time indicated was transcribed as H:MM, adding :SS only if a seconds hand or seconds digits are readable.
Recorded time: 10:56
